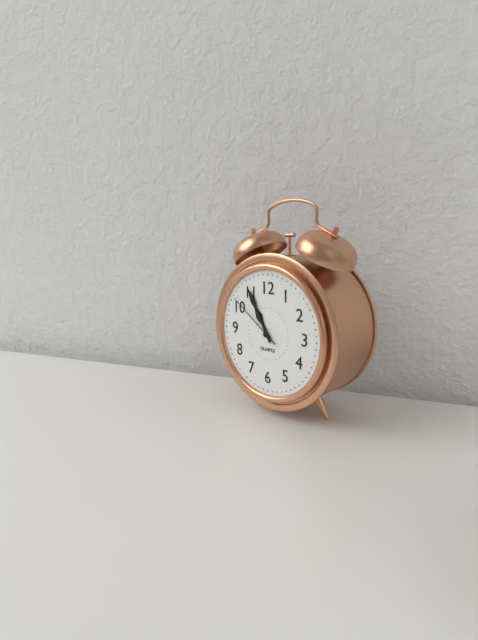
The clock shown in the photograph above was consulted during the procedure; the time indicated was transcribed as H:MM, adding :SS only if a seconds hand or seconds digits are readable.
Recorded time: 10:55:51
